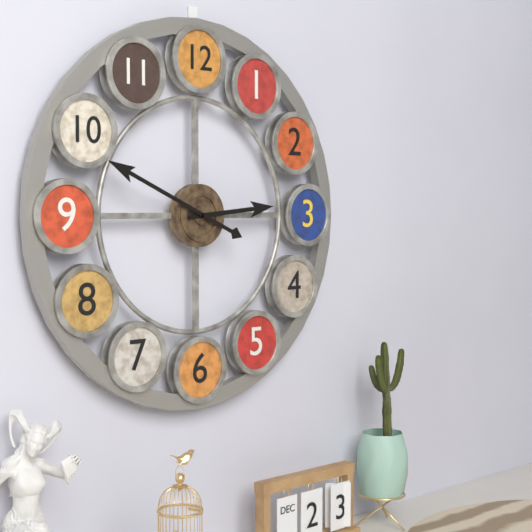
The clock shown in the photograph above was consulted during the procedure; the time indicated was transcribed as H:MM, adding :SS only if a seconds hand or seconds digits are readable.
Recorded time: 2:49
